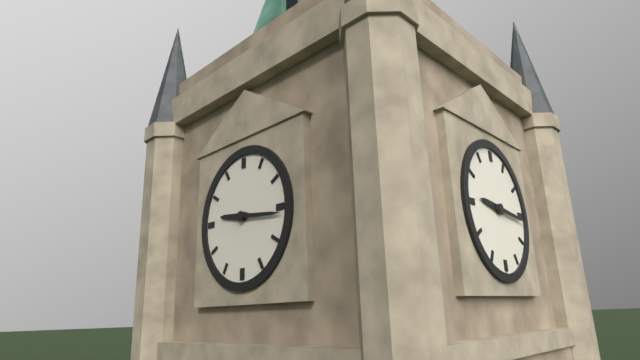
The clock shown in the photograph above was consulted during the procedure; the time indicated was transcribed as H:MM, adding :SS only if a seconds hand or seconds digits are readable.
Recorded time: 9:16
